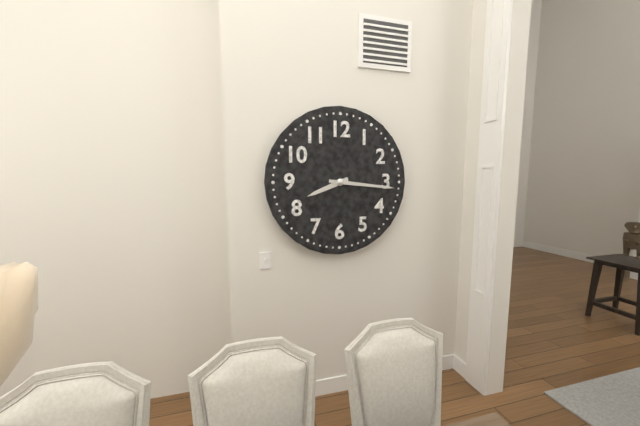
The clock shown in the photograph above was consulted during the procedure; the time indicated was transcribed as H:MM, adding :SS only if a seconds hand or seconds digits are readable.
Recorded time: 8:16
